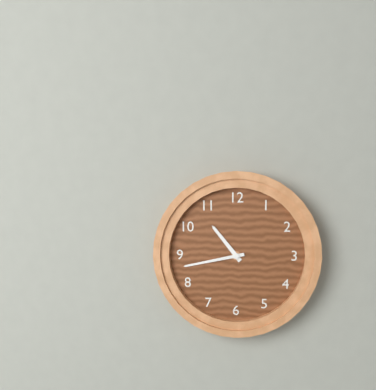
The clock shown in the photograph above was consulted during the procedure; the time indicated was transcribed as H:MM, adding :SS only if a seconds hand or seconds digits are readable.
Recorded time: 10:43
